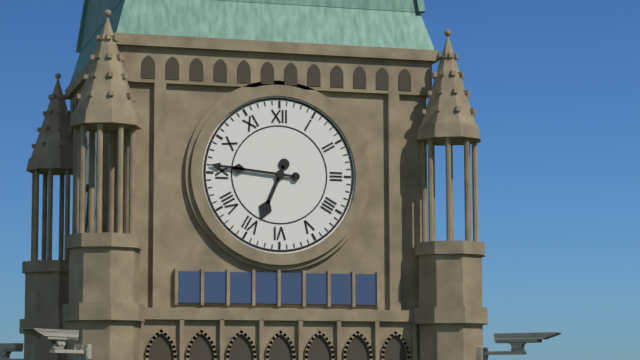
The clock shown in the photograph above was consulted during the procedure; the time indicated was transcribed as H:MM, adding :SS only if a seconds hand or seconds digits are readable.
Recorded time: 6:46
